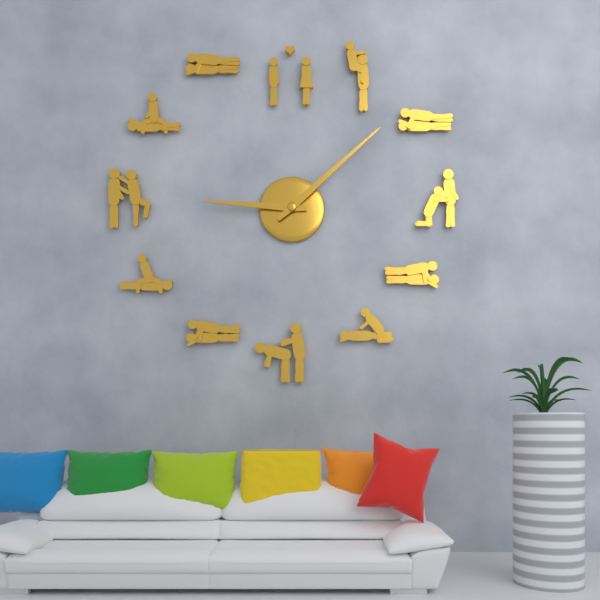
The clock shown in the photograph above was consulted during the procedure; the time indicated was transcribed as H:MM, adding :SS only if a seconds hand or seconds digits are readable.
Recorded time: 9:08
